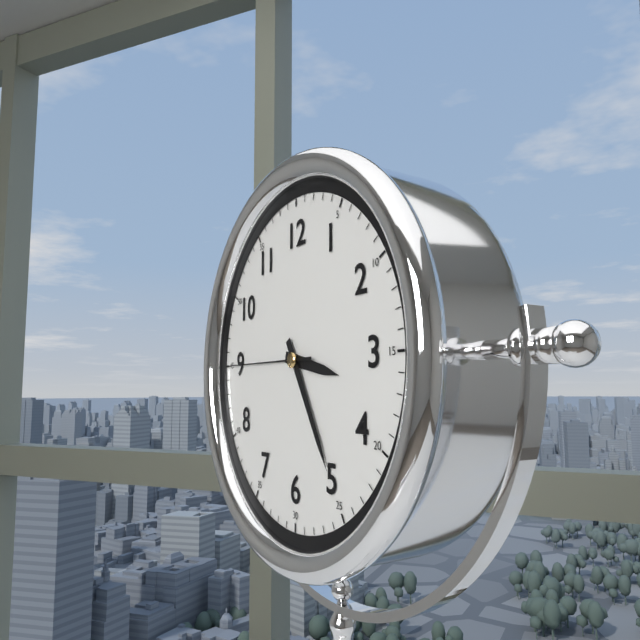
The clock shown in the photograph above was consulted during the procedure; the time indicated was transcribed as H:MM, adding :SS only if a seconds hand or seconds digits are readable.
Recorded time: 3:25:45
